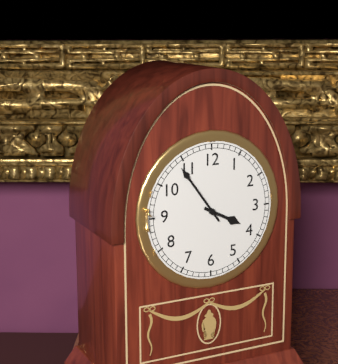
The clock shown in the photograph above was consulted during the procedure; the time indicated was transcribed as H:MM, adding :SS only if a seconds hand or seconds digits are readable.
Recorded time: 3:54
